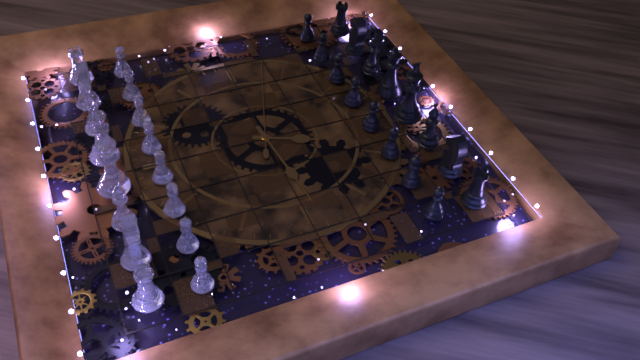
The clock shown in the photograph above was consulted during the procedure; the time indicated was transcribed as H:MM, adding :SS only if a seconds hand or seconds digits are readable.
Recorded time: 6:44:18
